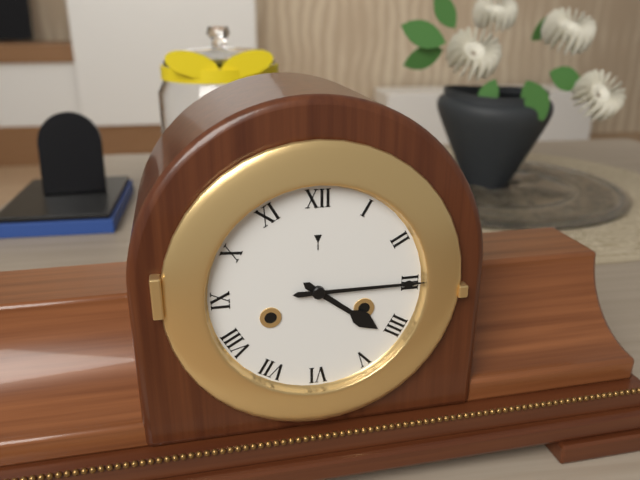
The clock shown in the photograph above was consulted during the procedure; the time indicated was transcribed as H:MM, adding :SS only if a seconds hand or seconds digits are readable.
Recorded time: 4:15
